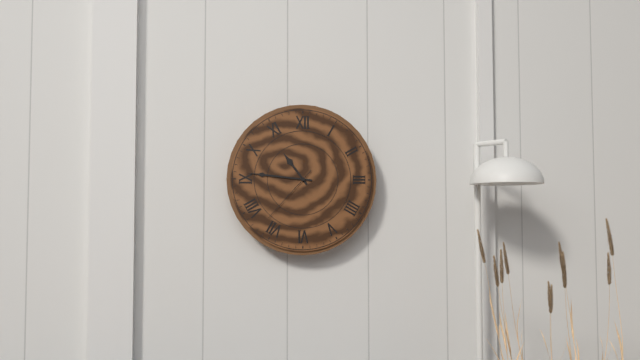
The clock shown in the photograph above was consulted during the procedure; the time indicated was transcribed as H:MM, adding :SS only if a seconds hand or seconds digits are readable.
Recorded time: 10:46:37
